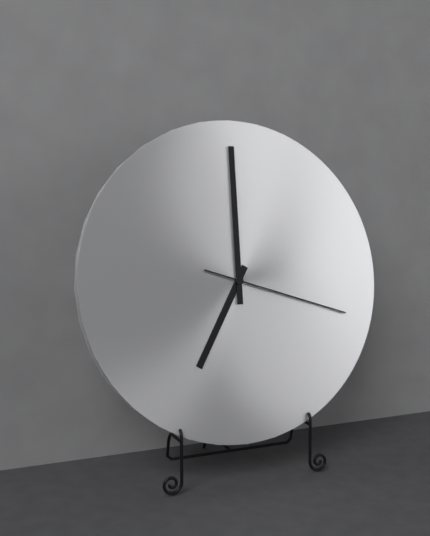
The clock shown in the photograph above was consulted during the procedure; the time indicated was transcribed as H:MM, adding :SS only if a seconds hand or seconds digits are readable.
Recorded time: 7:00:18
